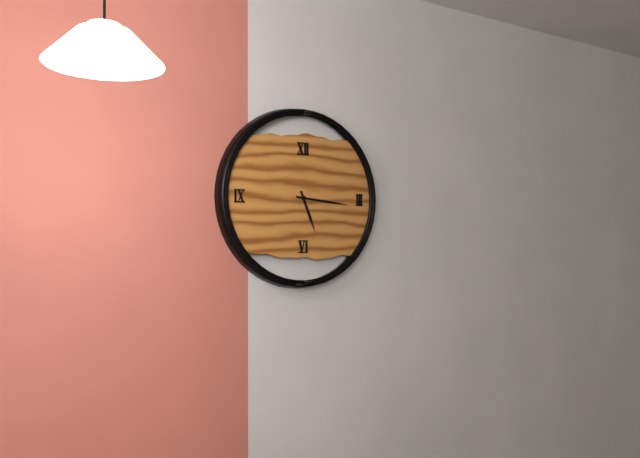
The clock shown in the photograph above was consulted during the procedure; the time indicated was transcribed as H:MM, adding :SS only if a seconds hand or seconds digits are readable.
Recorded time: 5:16
